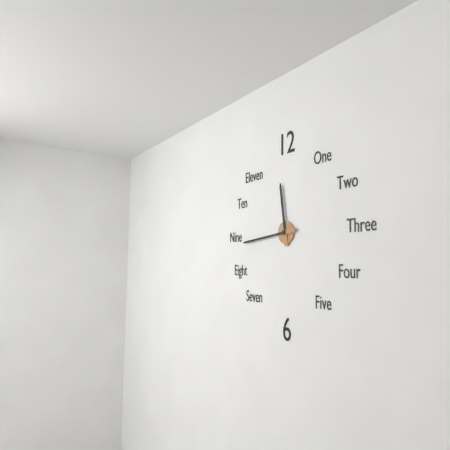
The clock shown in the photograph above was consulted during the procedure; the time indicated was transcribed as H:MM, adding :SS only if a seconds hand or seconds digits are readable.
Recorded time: 11:44
